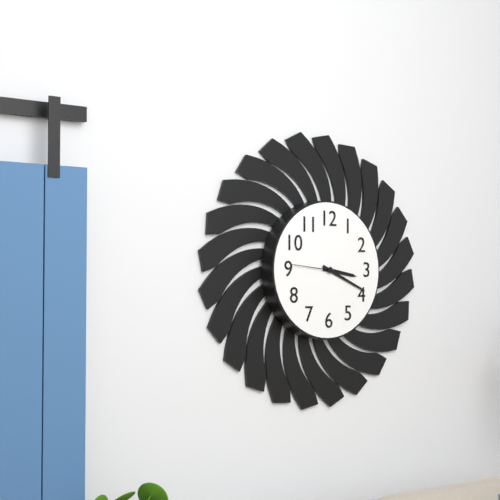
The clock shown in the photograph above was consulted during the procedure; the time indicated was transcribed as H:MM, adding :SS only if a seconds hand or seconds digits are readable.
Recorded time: 3:19
